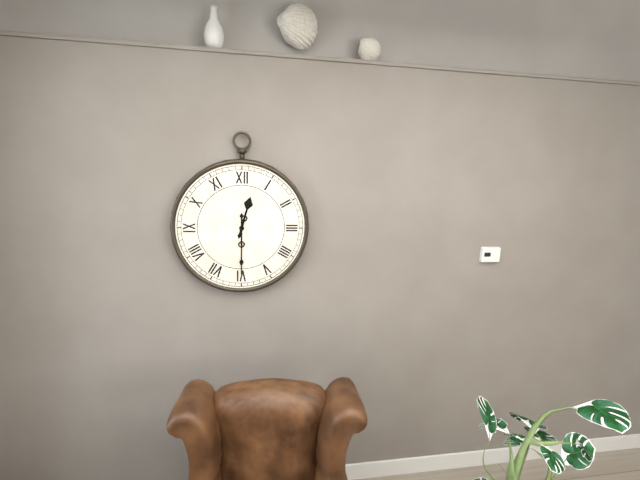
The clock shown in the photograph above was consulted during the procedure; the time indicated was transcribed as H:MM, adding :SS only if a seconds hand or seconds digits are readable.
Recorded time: 12:30
